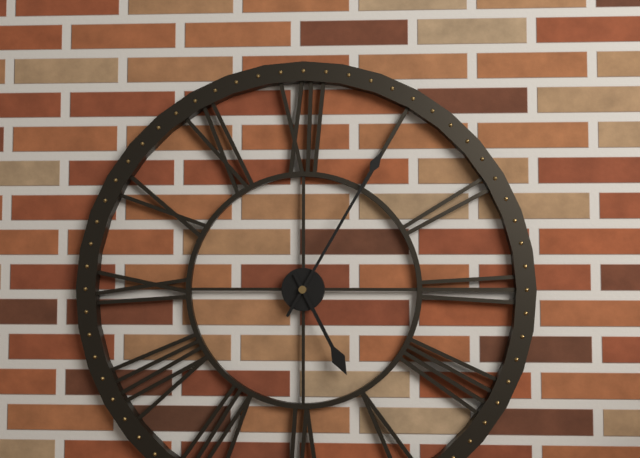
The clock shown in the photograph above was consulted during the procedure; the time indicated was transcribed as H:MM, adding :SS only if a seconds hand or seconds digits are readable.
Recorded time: 5:05
